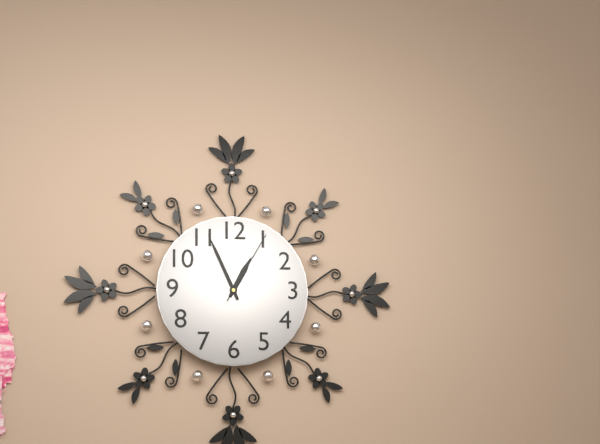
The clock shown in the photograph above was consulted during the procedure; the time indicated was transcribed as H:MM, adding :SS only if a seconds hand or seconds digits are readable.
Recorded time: 12:56:05
